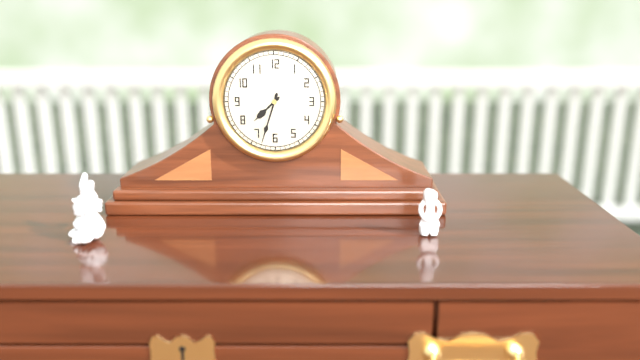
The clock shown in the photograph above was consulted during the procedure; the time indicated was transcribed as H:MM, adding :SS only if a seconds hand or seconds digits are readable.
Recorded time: 7:33
